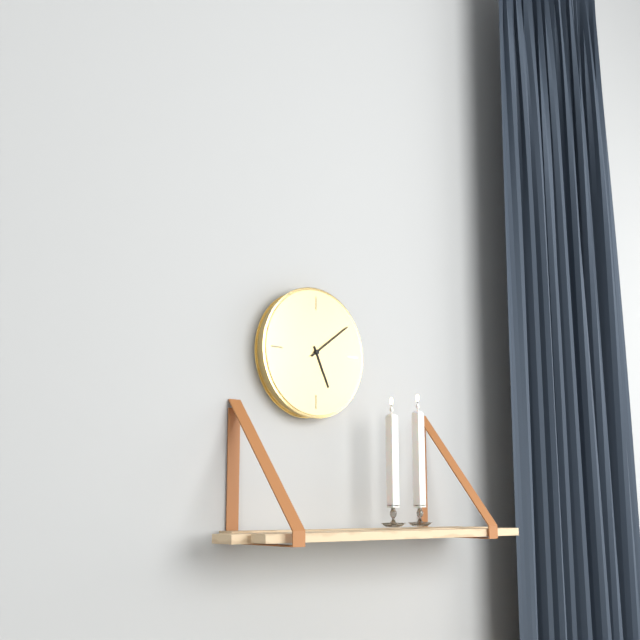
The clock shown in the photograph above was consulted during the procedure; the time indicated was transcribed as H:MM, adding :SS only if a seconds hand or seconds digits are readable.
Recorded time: 5:09
